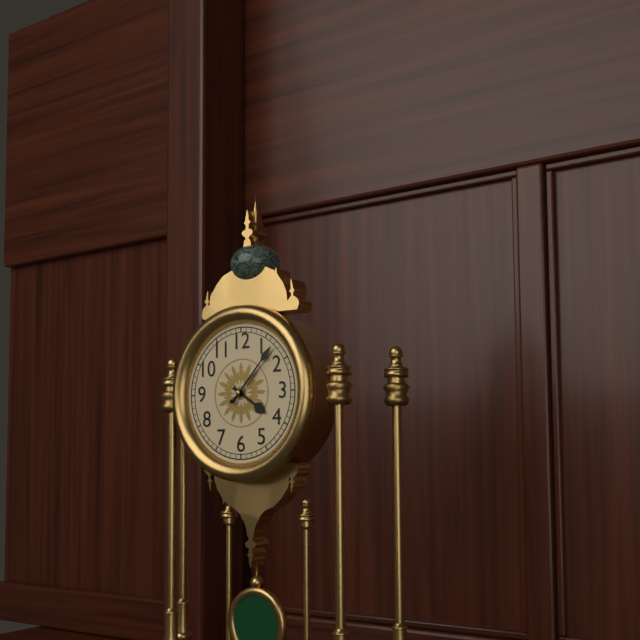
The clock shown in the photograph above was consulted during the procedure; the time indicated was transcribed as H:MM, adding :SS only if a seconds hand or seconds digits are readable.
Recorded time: 4:07:08
